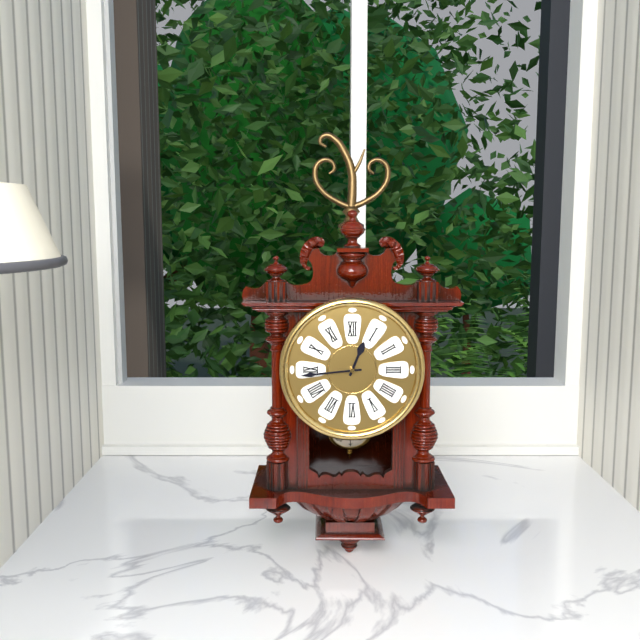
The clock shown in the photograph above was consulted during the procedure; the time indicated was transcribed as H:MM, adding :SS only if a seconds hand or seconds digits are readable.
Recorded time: 12:44
